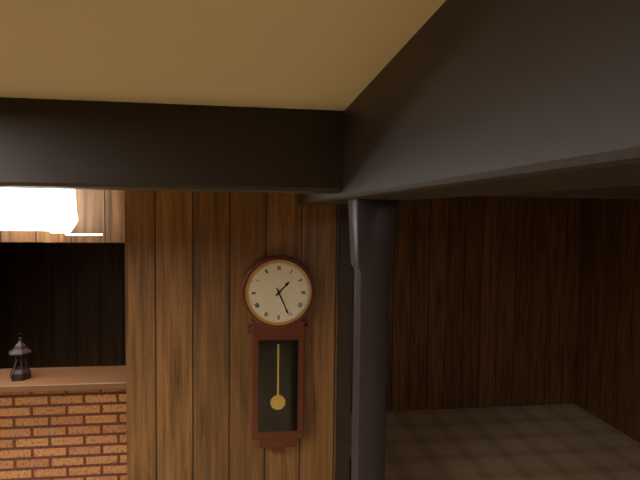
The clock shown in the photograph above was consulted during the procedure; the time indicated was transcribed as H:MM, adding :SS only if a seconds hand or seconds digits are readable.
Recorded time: 1:26
